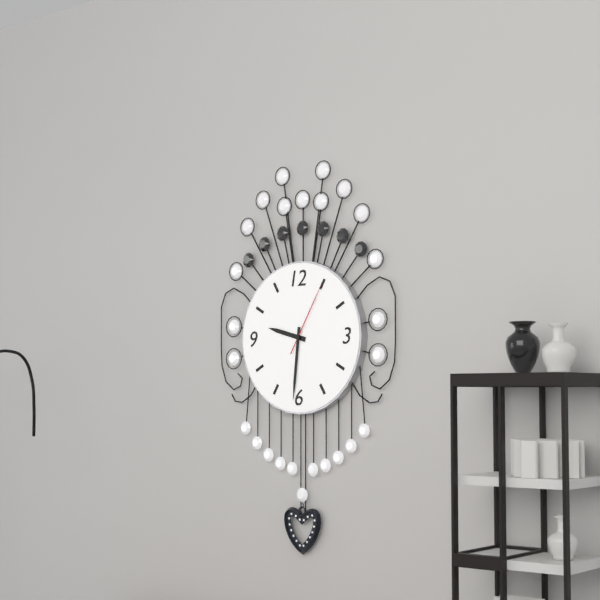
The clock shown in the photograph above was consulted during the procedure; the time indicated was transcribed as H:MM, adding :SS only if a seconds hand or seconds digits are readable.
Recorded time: 9:31:05
